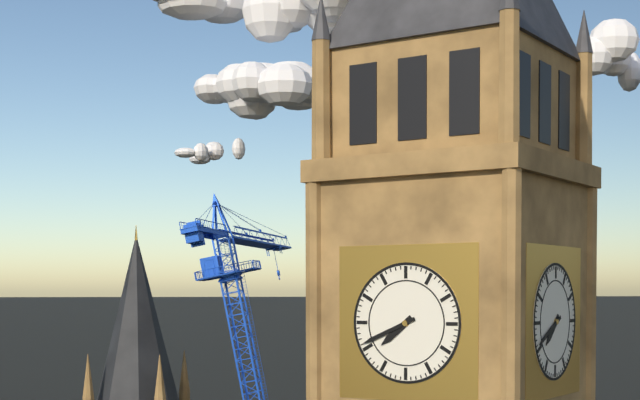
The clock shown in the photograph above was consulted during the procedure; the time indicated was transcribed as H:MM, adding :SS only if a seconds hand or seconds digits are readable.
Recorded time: 7:41
